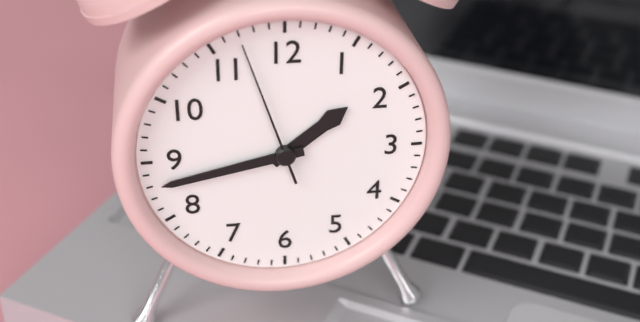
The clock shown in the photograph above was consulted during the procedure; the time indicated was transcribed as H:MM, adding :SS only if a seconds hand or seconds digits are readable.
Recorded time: 1:43:57
